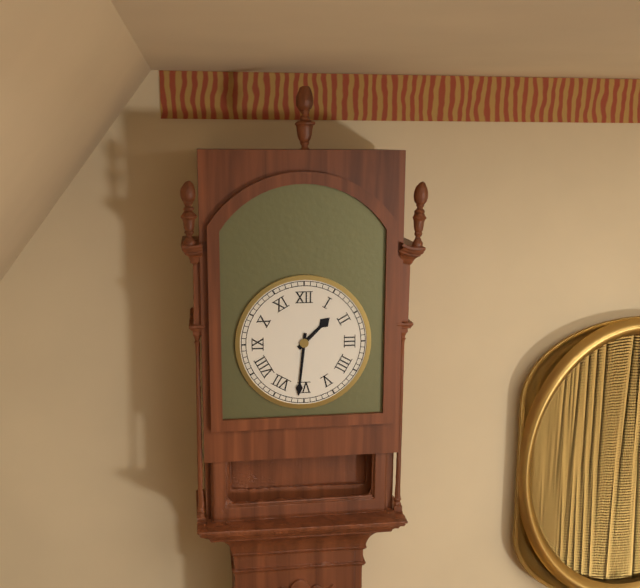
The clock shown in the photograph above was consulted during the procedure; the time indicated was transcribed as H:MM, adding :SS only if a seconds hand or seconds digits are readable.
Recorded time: 1:31
